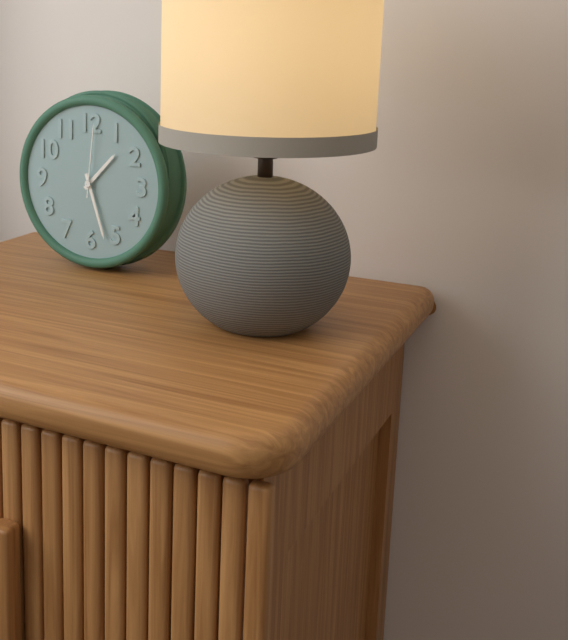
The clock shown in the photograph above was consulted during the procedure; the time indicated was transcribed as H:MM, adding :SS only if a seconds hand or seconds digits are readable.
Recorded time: 1:27:01
